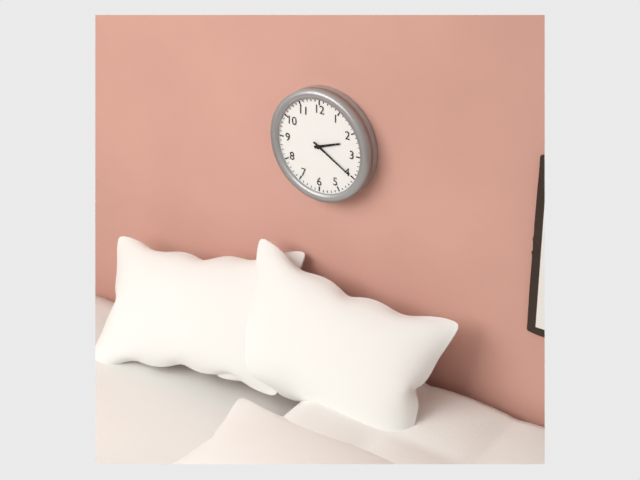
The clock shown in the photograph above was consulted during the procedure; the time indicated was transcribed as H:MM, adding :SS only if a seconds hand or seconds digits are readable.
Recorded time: 2:20
